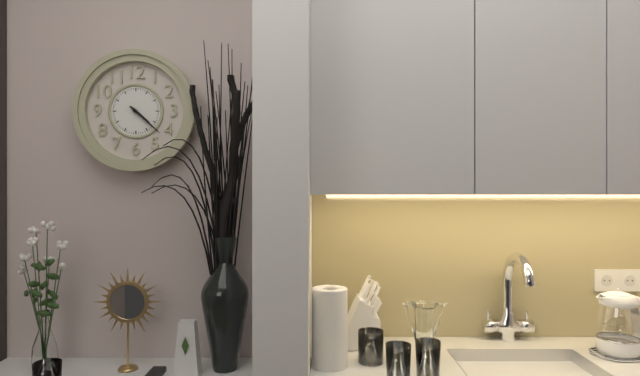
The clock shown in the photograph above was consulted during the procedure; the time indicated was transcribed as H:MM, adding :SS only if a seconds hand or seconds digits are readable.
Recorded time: 4:22
